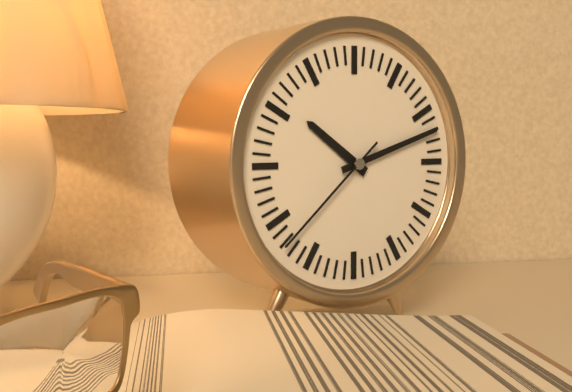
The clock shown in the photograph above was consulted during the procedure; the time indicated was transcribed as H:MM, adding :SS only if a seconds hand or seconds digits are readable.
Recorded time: 10:12:38
